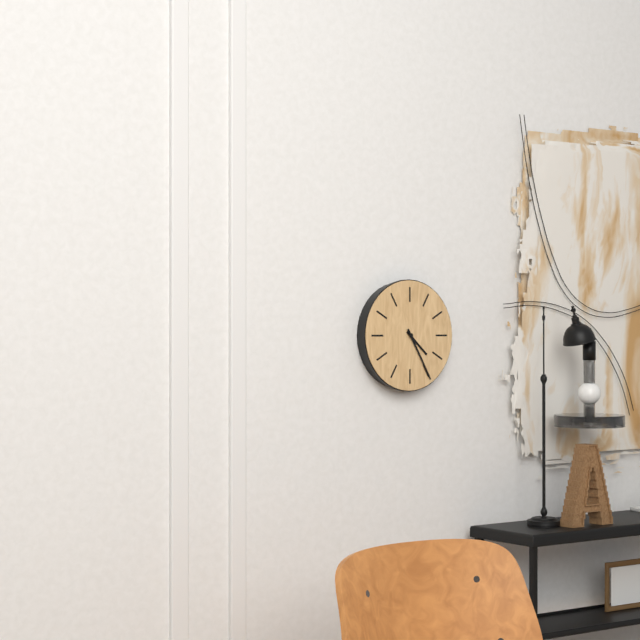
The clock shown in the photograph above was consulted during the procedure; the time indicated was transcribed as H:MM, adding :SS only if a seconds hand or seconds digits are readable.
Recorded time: 4:25
